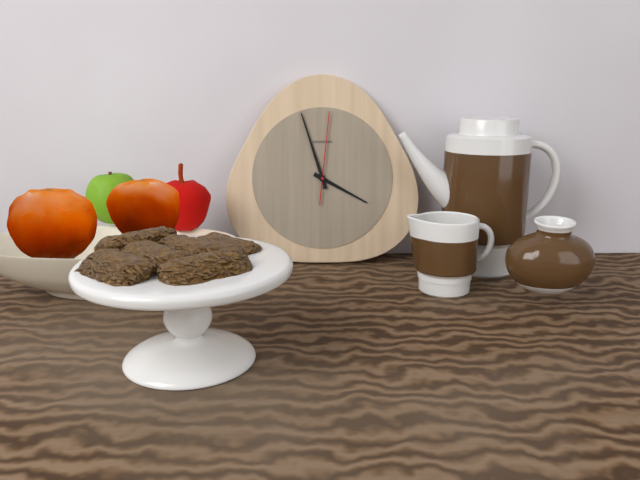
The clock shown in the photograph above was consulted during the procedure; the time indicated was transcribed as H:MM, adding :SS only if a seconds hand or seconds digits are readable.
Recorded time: 3:57:01
